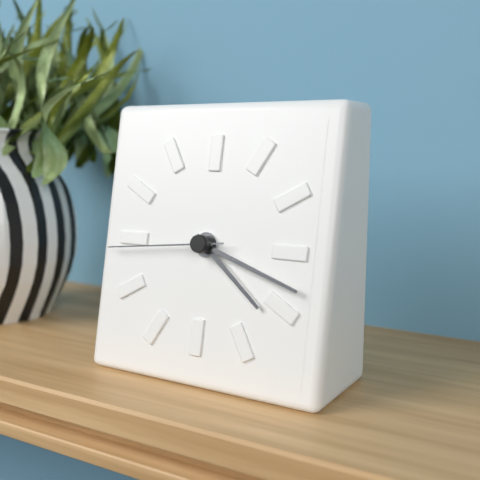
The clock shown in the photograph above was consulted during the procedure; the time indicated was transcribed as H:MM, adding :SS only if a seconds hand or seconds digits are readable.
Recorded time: 4:18:44
